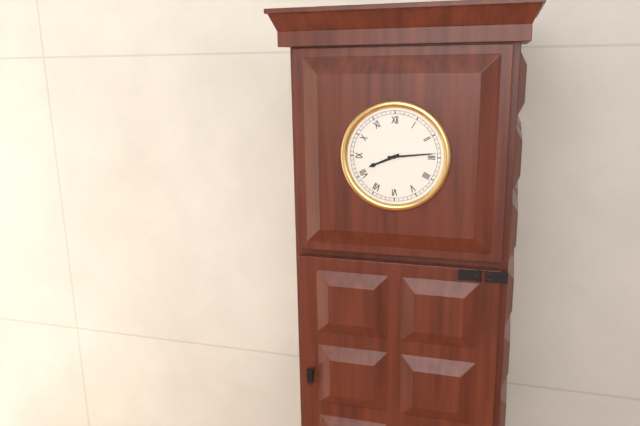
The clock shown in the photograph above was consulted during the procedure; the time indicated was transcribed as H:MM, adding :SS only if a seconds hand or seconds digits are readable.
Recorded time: 8:14
